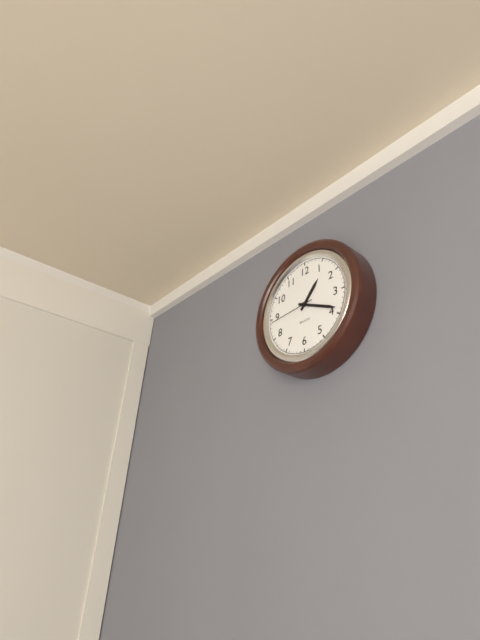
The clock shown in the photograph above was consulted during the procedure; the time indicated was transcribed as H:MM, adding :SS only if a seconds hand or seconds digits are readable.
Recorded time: 1:19
